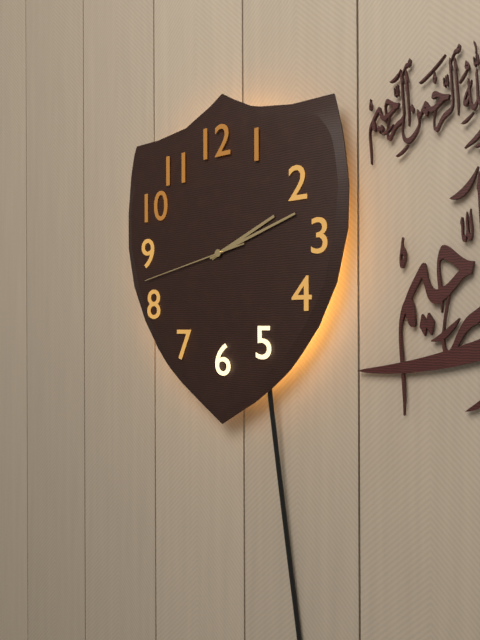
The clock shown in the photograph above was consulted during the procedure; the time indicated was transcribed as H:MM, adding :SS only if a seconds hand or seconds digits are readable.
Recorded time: 2:12:43
